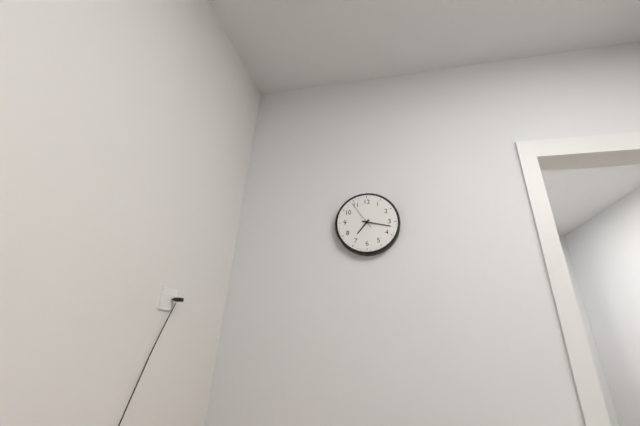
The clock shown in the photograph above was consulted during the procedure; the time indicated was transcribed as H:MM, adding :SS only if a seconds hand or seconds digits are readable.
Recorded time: 7:17
